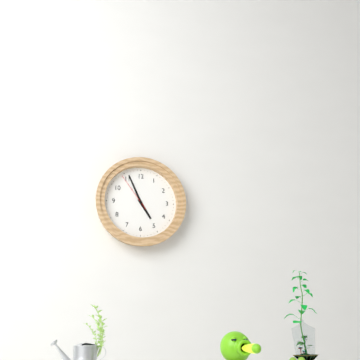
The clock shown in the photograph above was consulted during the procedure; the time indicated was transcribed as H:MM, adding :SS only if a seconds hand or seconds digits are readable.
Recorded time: 4:56
